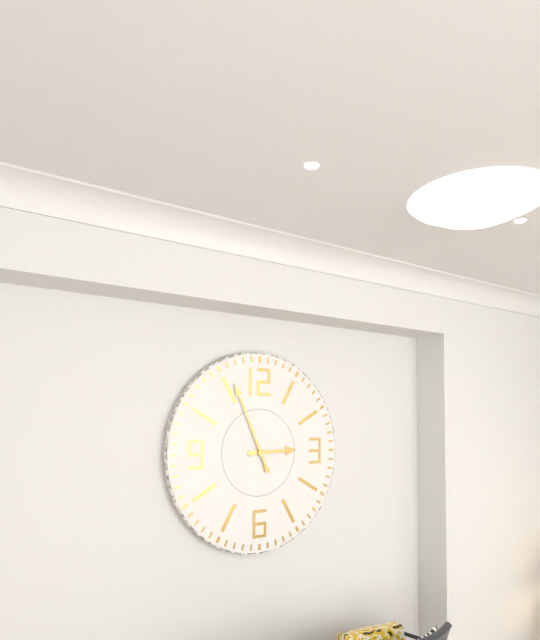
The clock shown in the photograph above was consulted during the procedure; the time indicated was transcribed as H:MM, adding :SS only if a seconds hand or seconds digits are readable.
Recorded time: 2:56
